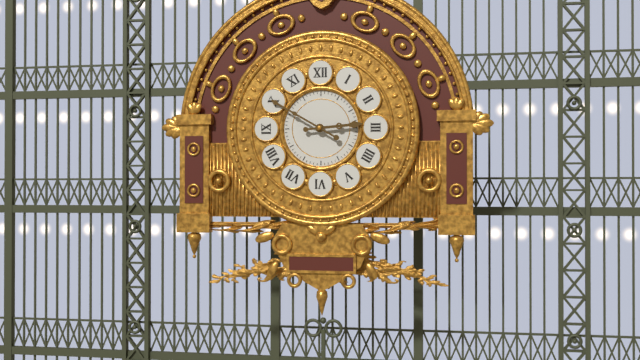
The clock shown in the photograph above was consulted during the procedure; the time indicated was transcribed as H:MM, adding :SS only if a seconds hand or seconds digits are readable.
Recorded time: 2:50
